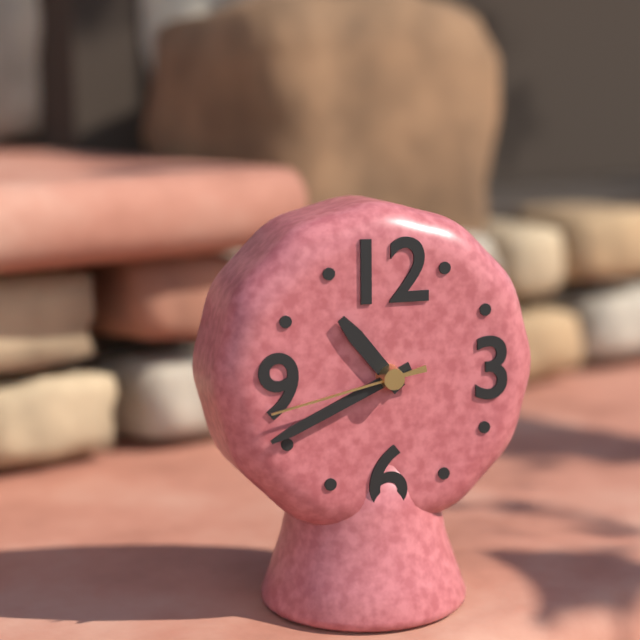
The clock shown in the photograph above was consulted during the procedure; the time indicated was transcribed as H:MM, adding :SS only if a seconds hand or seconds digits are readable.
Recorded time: 10:41:43
